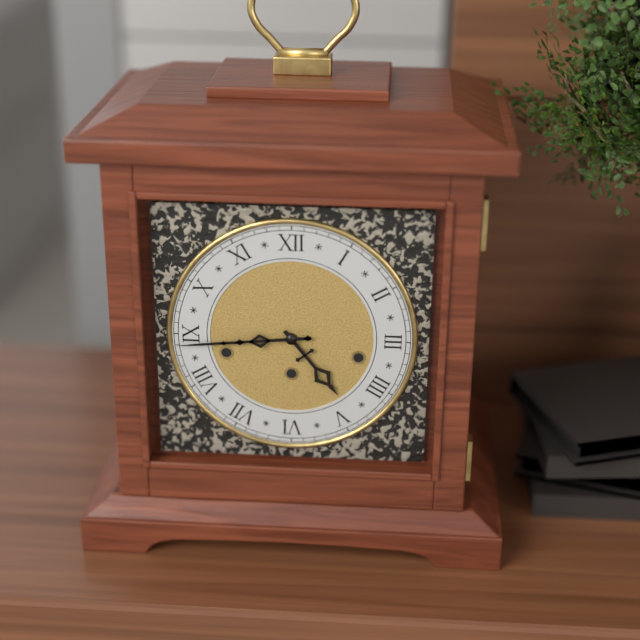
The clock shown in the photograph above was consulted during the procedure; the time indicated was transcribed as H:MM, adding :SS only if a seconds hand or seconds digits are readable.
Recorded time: 4:44
